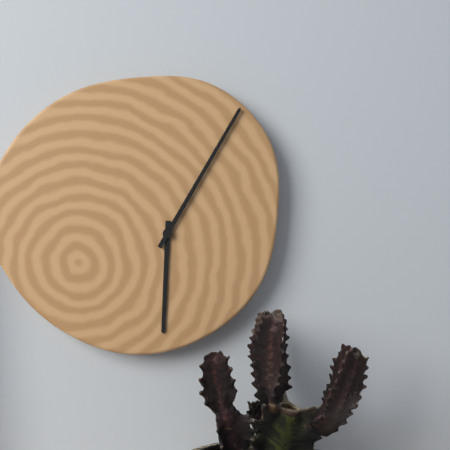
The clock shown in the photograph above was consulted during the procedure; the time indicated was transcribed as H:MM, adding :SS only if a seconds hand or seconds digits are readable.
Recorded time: 6:05
